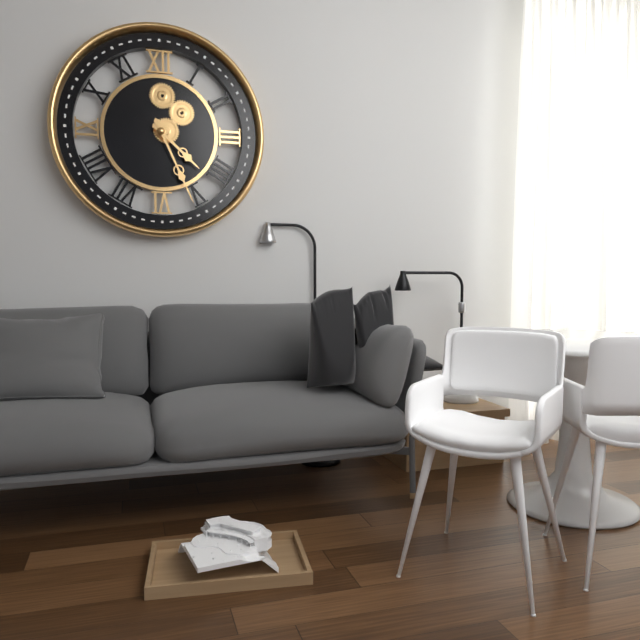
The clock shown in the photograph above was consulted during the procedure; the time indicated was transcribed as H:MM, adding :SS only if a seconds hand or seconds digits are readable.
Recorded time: 4:26
